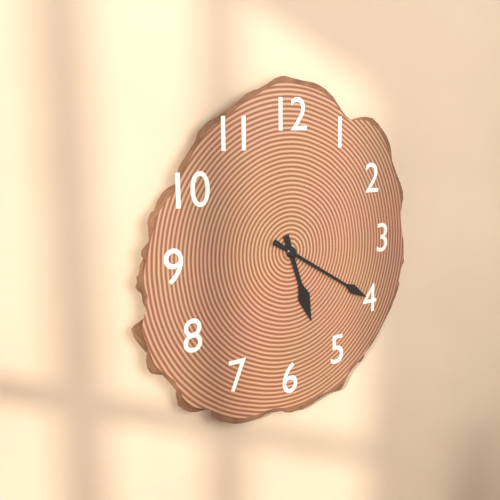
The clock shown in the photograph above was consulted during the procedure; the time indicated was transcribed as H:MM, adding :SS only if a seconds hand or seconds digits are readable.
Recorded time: 5:20
